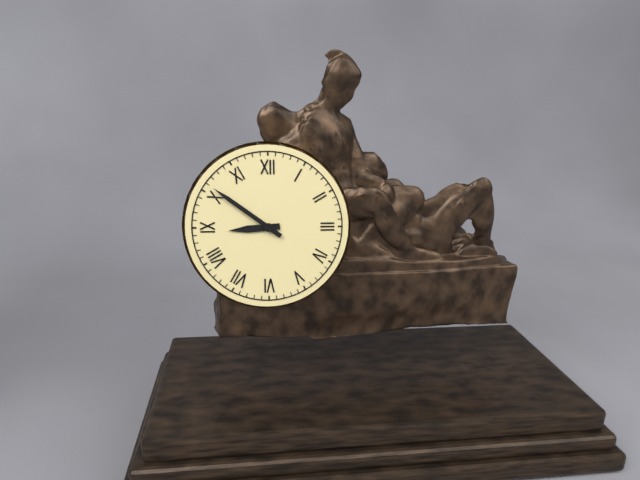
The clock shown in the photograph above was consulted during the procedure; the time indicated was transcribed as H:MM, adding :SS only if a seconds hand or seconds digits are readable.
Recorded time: 8:51
